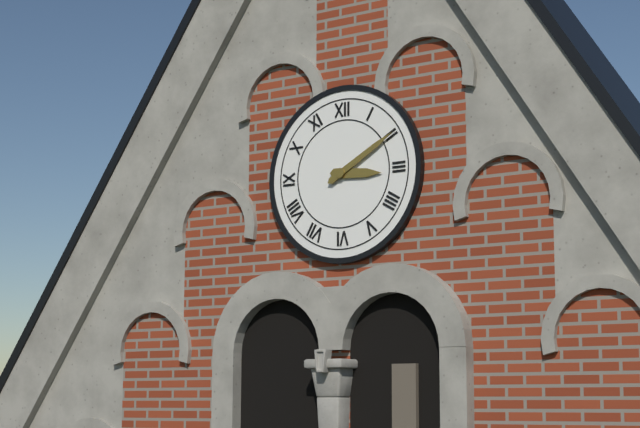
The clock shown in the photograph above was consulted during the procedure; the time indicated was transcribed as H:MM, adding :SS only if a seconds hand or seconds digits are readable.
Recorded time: 3:10
